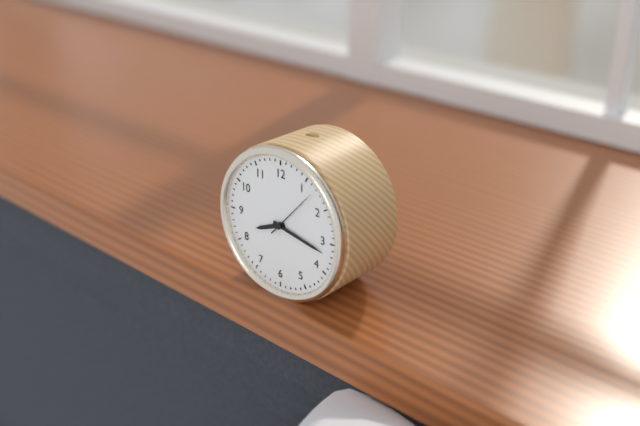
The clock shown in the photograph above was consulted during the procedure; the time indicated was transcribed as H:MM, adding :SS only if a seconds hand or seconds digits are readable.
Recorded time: 8:17:07
